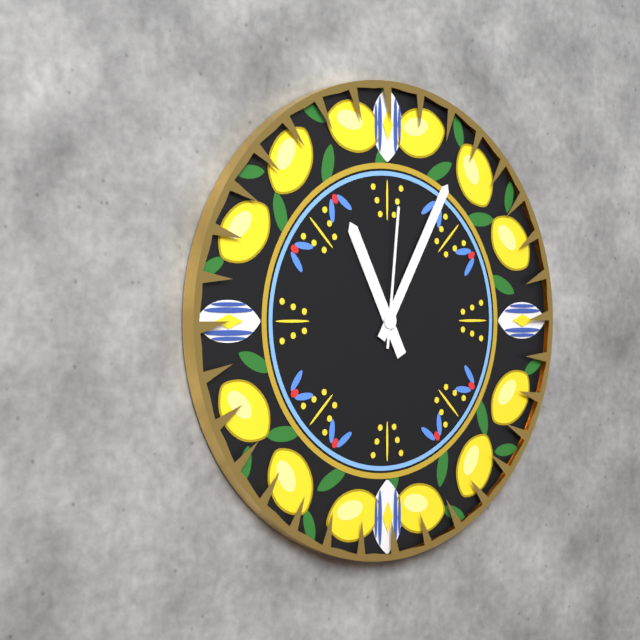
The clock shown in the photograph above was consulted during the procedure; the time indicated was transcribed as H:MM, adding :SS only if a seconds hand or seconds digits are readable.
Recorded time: 11:05:01
